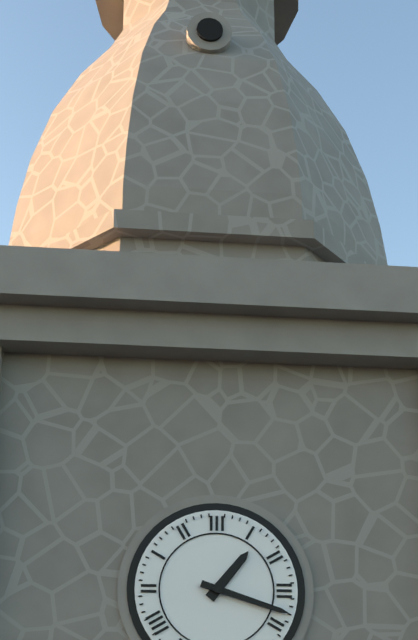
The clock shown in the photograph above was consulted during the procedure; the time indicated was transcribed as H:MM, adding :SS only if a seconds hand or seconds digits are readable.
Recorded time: 1:18
